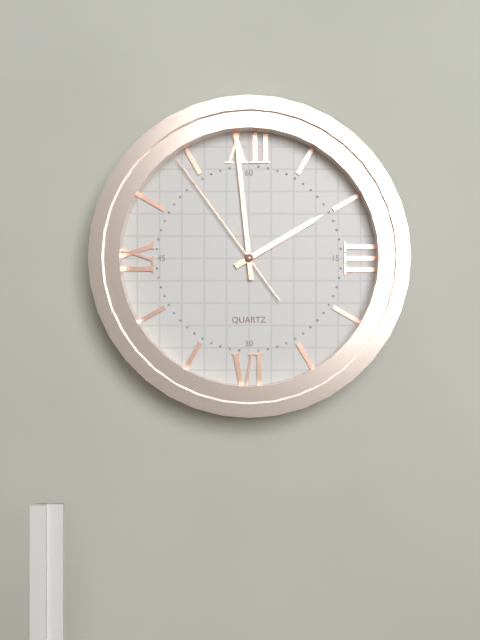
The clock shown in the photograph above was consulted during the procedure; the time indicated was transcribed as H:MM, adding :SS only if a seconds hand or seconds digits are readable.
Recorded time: 1:59:54
